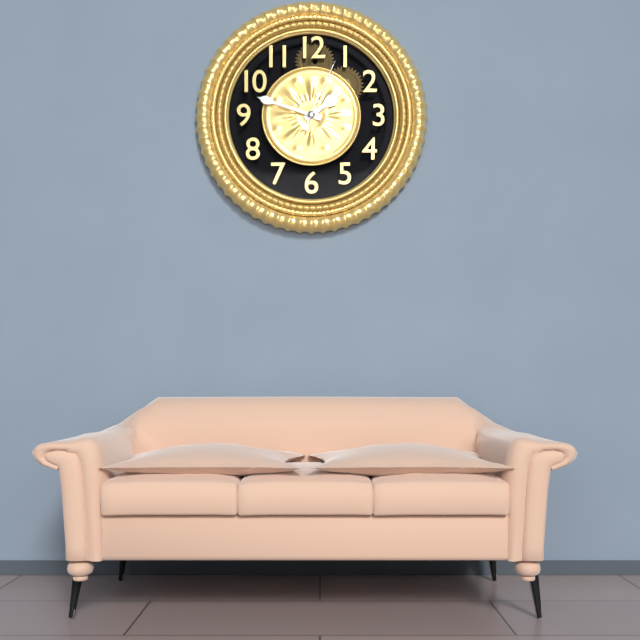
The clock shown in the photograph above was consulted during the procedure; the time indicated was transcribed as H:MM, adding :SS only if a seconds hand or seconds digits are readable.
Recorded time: 1:48:04
